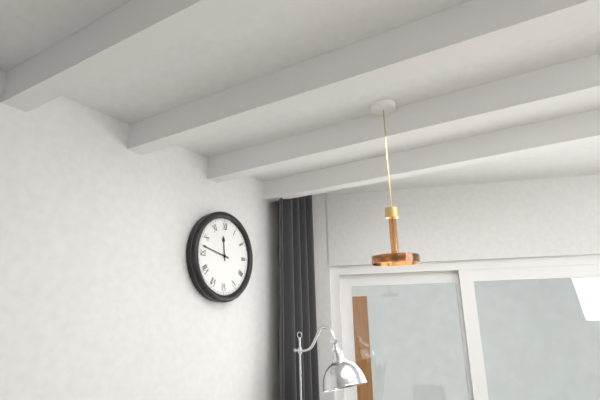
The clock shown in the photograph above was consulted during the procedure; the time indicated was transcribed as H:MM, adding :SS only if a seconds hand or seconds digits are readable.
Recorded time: 11:47
